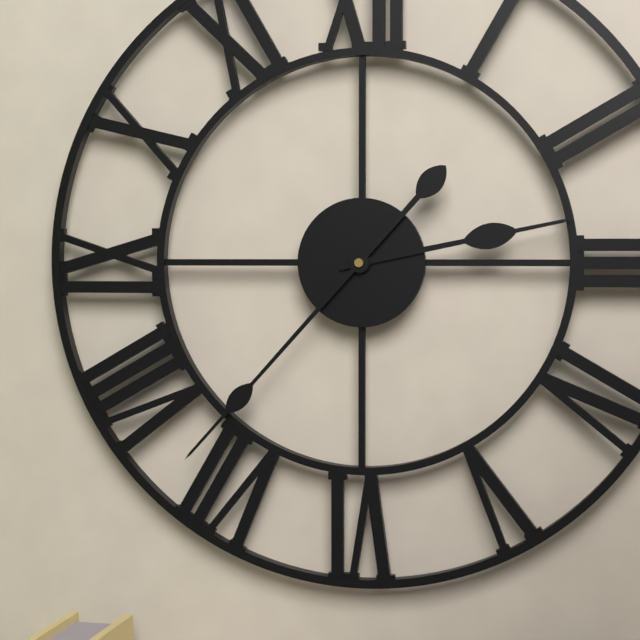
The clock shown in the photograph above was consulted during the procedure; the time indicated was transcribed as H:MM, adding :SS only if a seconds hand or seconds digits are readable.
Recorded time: 2:37
